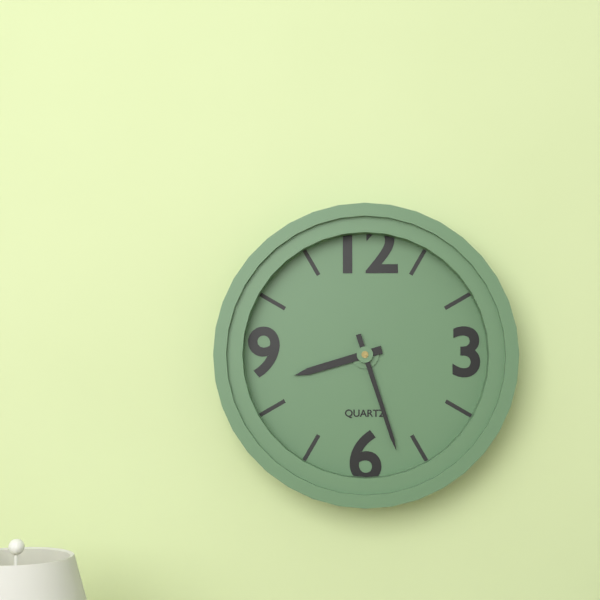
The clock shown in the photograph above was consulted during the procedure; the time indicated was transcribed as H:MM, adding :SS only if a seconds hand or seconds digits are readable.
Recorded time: 8:27
